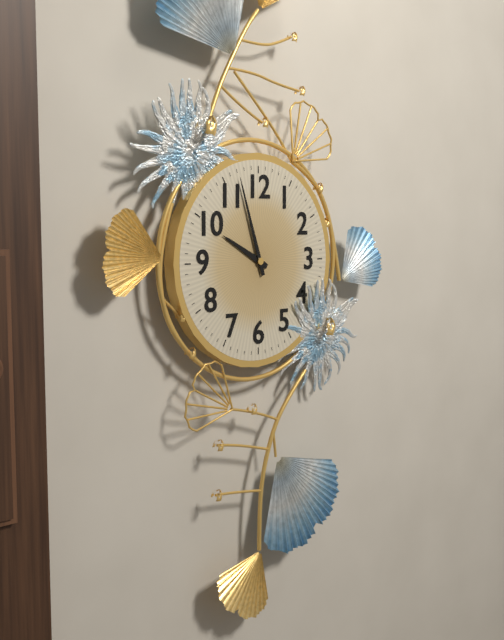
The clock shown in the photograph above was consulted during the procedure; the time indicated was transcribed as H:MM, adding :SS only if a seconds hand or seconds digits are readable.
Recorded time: 9:57
